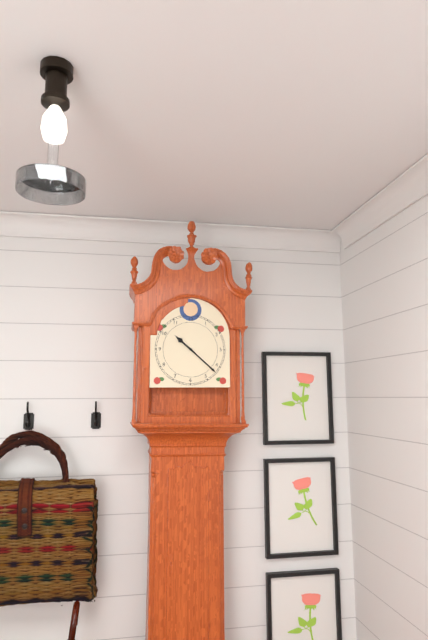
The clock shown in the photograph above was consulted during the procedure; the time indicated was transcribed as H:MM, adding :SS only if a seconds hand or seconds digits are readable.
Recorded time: 10:22
